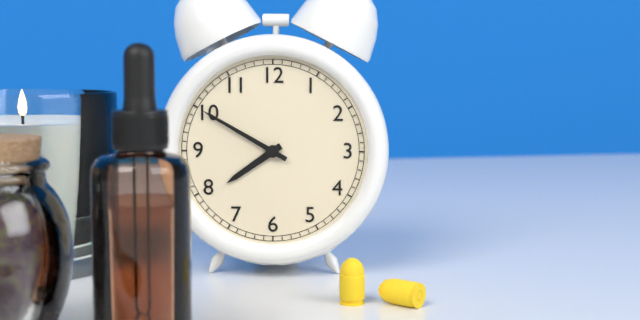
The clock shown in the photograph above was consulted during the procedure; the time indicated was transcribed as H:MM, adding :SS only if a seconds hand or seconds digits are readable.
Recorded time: 7:50
